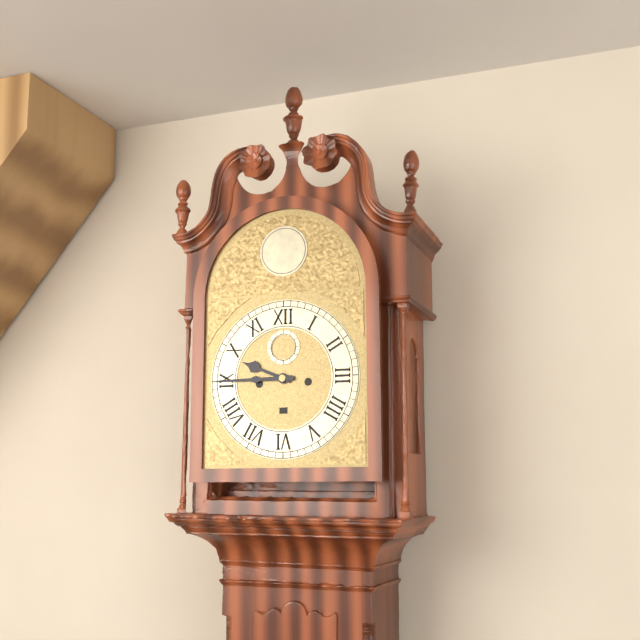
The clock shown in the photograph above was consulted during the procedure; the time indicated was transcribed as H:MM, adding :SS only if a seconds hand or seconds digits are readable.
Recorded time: 9:45
